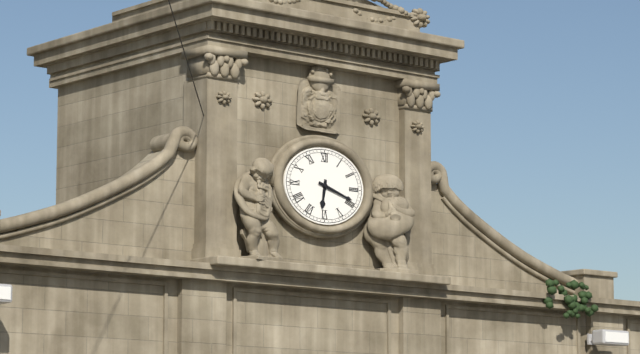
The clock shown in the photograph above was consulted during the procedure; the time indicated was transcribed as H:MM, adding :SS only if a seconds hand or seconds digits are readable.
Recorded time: 6:18
